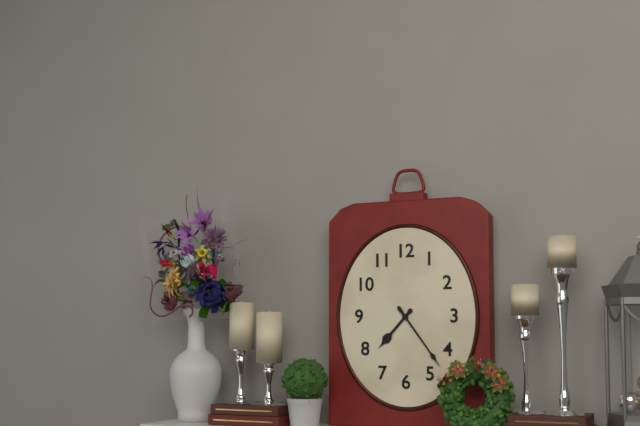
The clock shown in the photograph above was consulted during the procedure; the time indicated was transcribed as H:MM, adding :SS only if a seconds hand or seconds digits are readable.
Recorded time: 7:24
